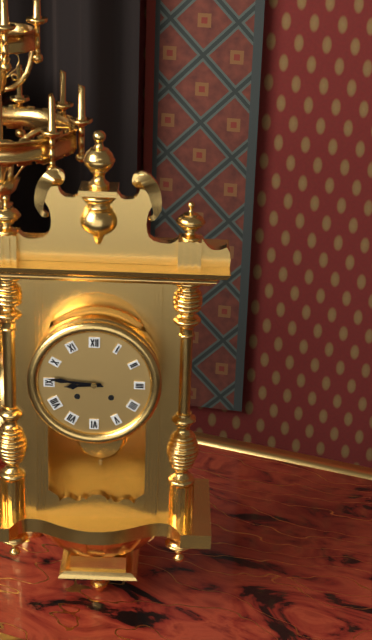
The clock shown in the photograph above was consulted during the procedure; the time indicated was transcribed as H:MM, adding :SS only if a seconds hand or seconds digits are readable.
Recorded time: 8:46
